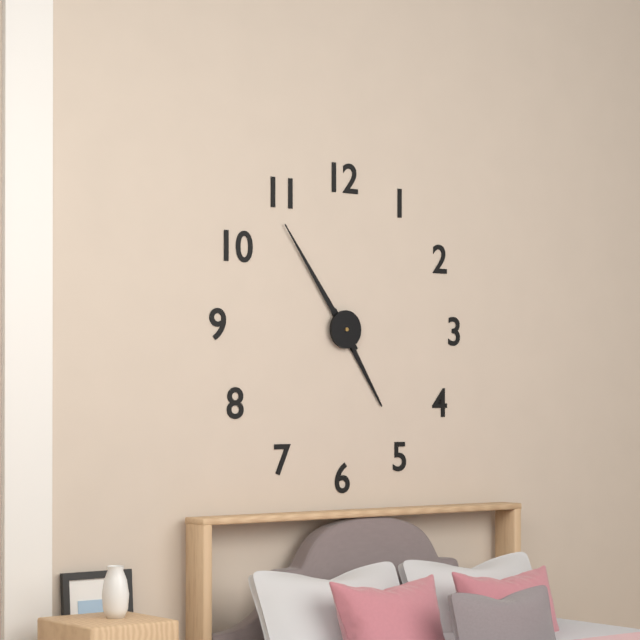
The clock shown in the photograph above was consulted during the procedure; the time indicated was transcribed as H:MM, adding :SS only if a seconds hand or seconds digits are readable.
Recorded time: 4:54
